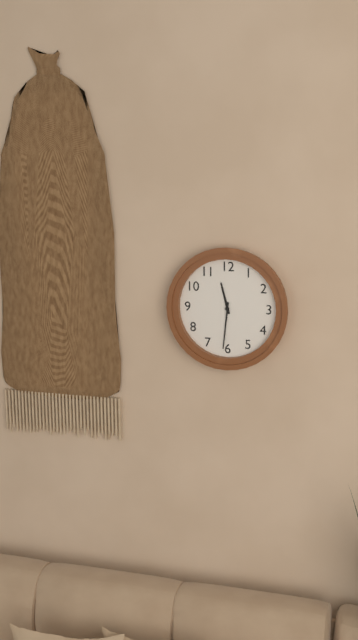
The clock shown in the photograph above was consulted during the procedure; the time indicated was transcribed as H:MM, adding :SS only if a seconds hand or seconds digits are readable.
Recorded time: 11:31
